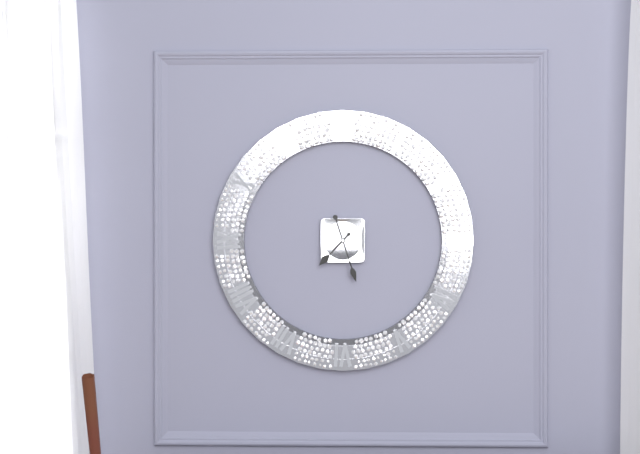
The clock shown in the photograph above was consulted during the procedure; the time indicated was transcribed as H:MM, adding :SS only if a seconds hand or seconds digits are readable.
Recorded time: 7:27
